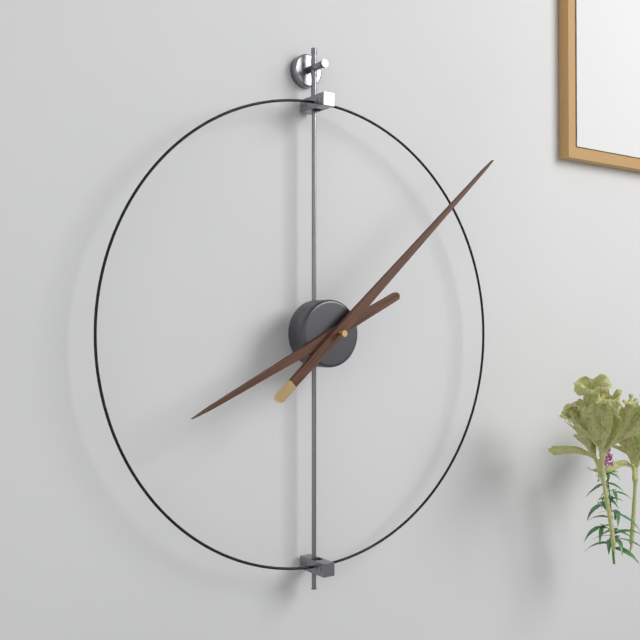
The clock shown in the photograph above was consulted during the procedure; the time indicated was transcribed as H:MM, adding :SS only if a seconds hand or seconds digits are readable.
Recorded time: 8:08
